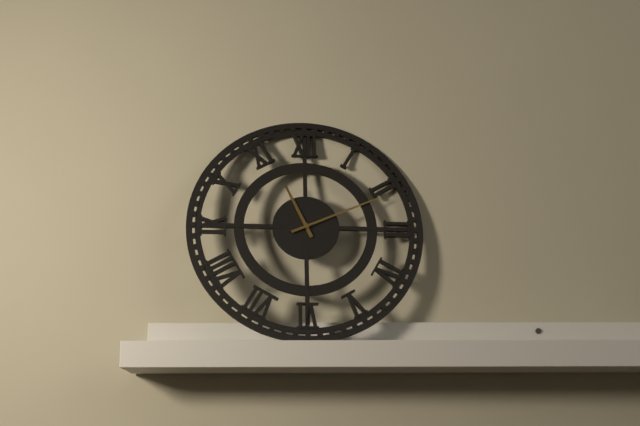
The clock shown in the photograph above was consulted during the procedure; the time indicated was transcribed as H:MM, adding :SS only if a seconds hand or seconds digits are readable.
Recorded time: 11:11
